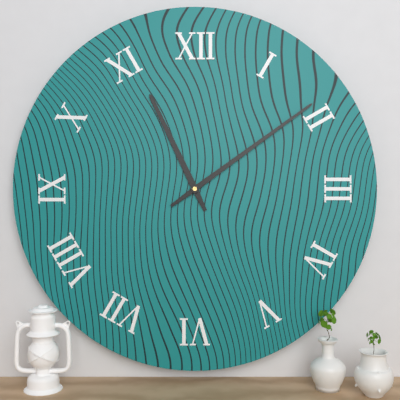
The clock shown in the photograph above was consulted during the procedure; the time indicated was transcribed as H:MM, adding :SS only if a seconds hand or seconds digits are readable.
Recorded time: 11:09
